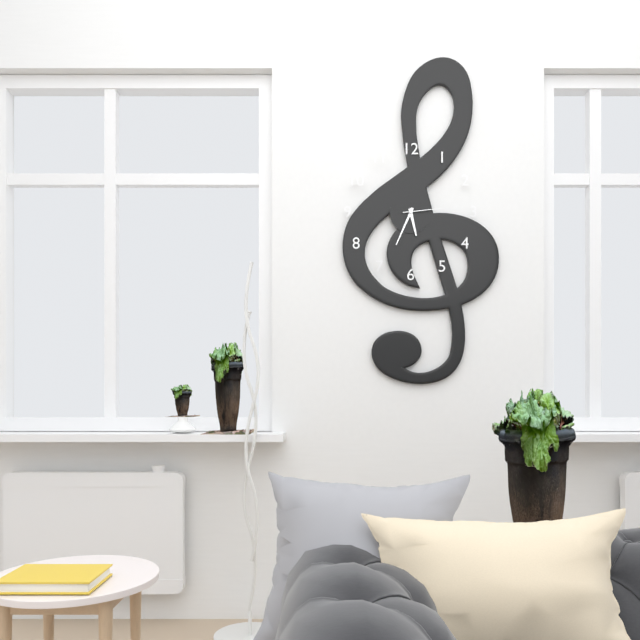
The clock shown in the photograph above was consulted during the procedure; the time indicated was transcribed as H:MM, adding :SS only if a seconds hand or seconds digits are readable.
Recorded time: 5:34
